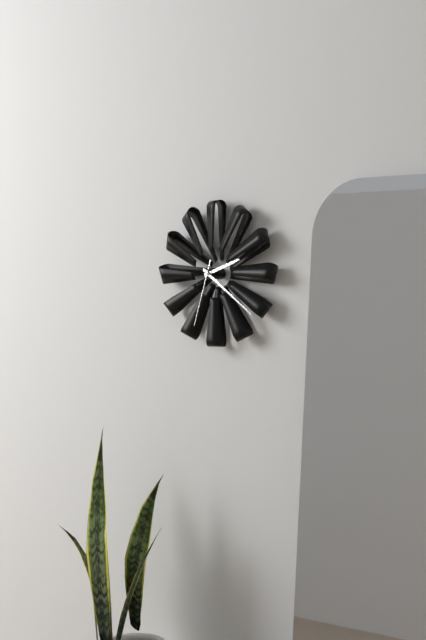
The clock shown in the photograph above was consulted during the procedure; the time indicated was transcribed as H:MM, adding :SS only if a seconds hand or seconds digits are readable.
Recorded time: 2:21:33
